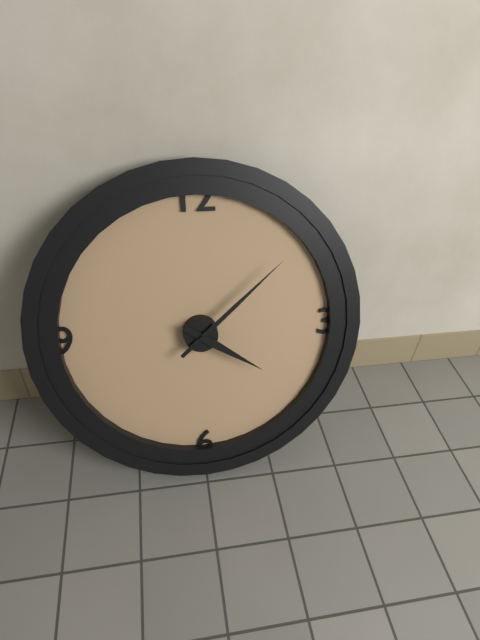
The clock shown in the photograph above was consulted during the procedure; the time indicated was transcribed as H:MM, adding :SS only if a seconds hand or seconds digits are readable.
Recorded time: 4:08
